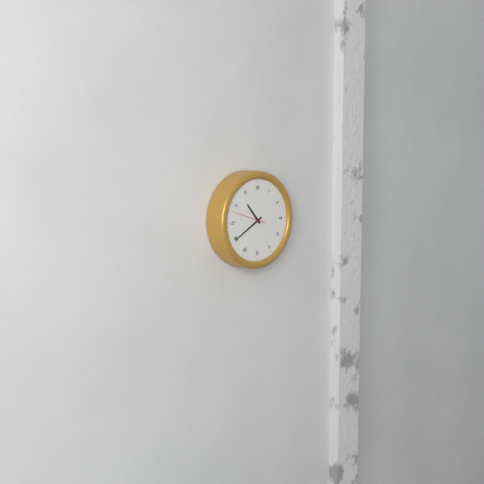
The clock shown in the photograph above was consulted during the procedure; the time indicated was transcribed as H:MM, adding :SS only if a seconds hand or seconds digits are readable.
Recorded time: 10:40
